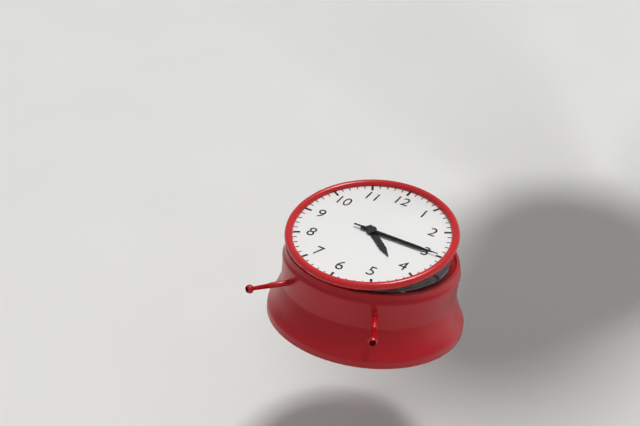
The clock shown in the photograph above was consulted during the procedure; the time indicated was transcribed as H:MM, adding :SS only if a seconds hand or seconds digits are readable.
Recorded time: 4:15:15
